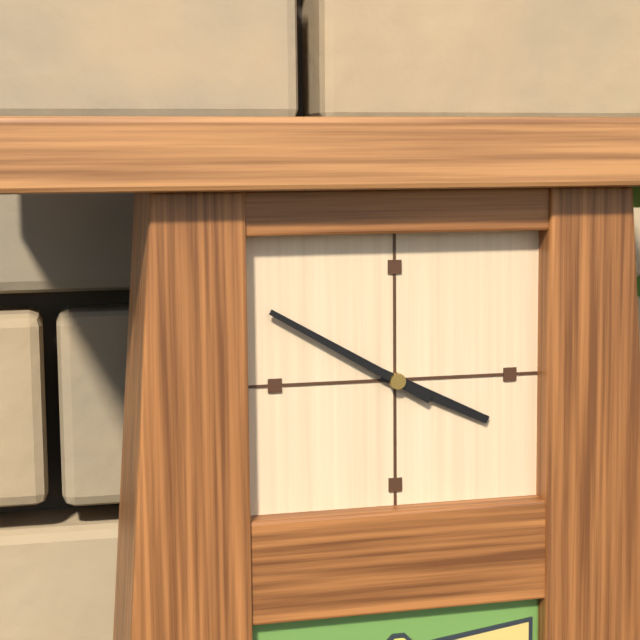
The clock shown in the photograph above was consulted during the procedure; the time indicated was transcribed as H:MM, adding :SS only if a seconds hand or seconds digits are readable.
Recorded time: 3:50
